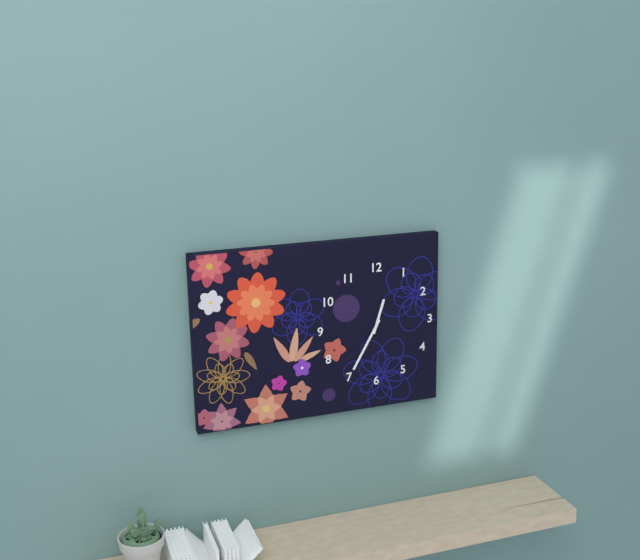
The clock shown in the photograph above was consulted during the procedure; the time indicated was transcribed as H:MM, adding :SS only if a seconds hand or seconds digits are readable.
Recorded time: 12:35
